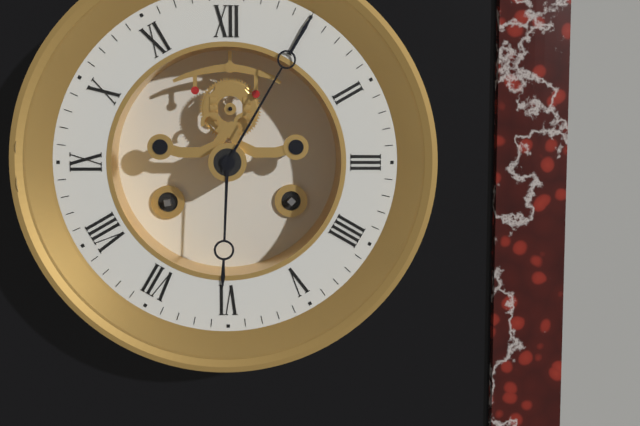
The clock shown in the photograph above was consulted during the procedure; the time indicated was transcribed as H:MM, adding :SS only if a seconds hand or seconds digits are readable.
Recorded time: 6:05
